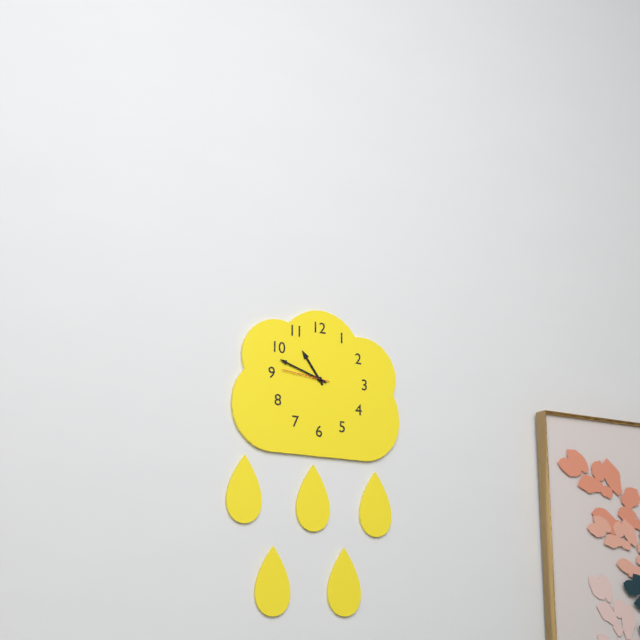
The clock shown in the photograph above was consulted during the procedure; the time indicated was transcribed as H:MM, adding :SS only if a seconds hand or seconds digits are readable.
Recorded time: 10:48
